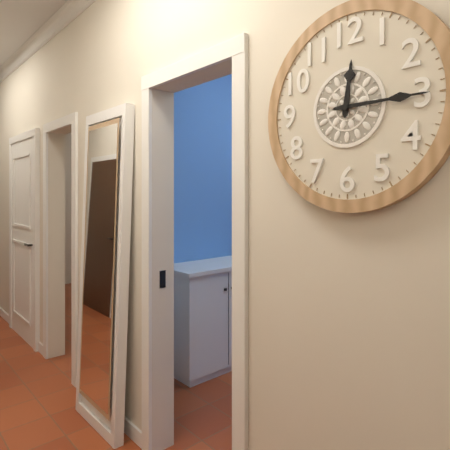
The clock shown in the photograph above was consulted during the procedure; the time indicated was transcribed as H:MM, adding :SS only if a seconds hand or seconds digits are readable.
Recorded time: 12:15
